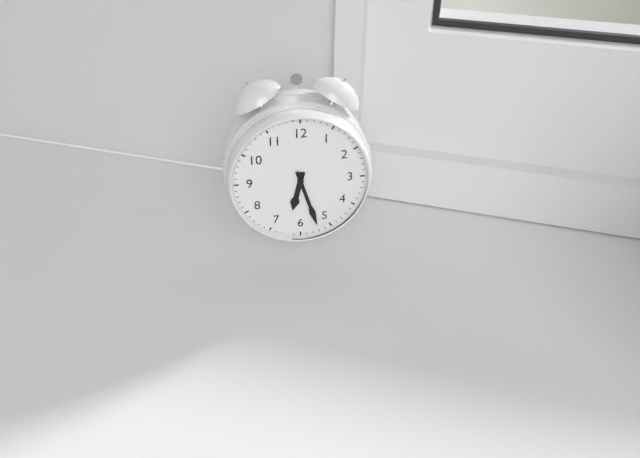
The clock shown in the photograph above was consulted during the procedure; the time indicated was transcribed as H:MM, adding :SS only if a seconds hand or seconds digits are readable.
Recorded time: 6:27
